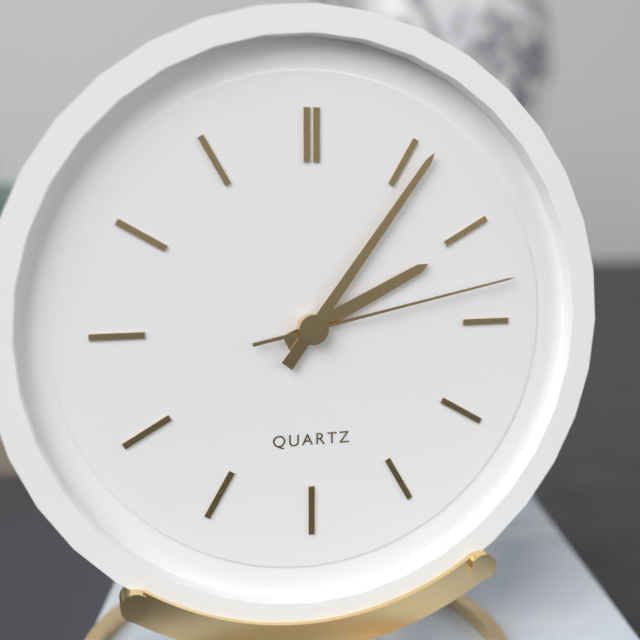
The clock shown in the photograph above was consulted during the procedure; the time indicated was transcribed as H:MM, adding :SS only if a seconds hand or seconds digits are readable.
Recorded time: 2:06:13
